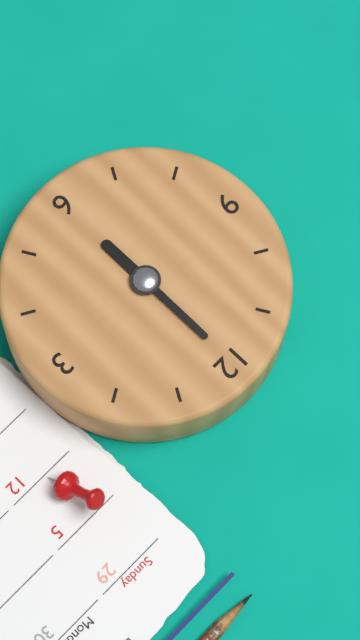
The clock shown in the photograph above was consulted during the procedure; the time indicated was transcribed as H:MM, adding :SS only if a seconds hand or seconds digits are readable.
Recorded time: 6:00
